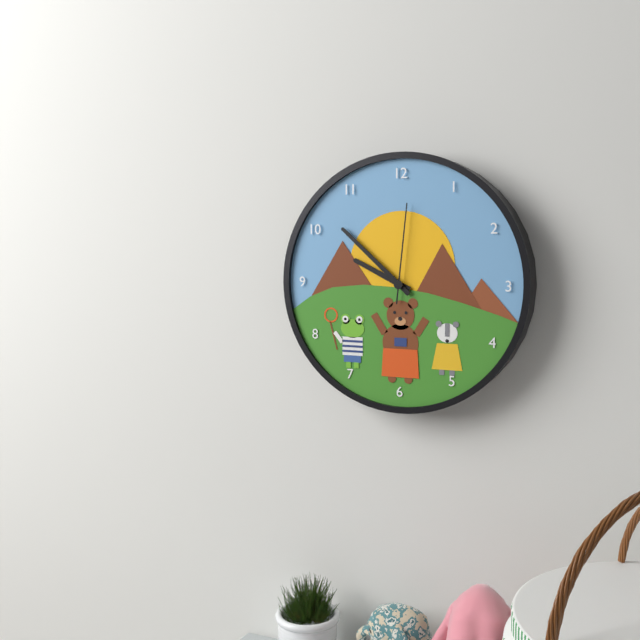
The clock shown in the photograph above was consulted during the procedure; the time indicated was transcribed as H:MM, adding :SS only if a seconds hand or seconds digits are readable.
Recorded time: 9:52:01
